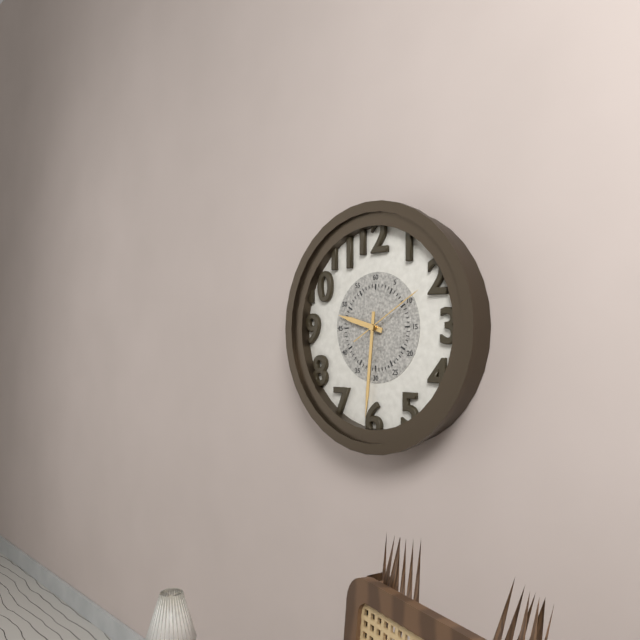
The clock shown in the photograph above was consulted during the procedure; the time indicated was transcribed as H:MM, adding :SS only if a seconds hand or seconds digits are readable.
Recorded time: 9:31:10
